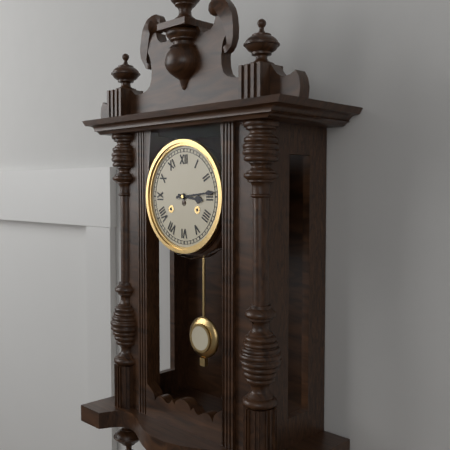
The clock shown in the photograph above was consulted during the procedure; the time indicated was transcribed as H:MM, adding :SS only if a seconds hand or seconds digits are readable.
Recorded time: 3:14
